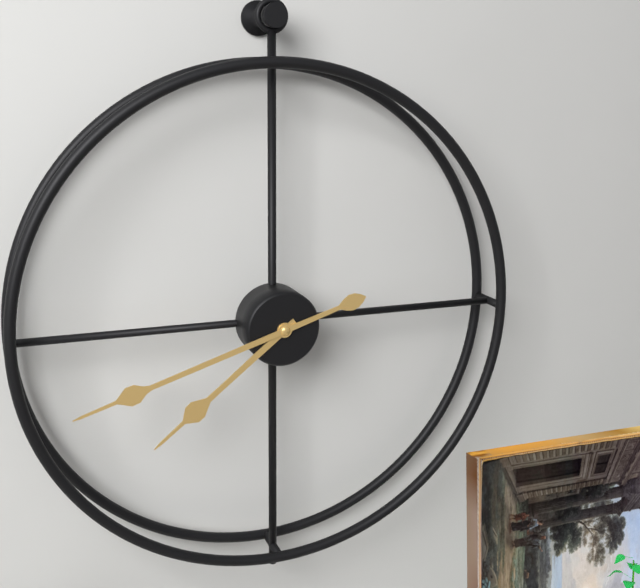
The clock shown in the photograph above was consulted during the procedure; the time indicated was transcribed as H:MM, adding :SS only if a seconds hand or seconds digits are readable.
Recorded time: 7:42
